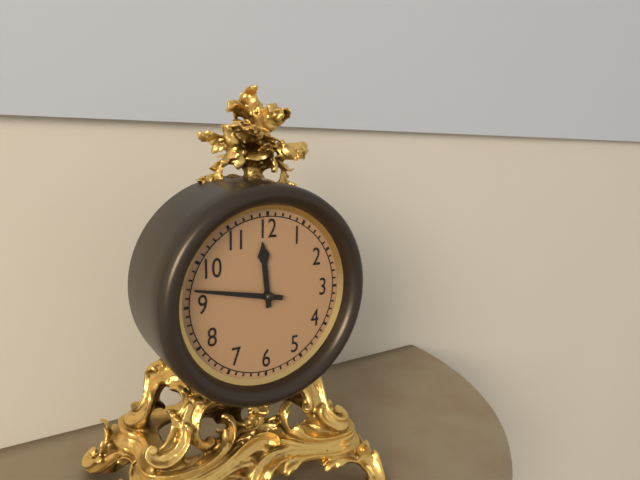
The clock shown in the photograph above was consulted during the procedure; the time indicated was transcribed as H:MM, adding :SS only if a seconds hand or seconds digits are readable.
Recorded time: 11:47
